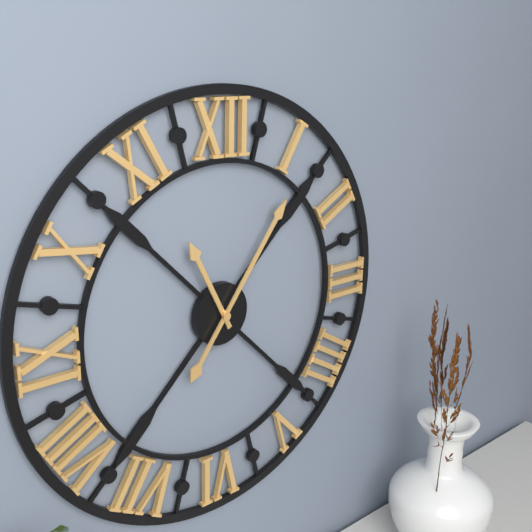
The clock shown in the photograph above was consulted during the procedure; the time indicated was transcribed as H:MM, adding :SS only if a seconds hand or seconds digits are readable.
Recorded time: 11:06
